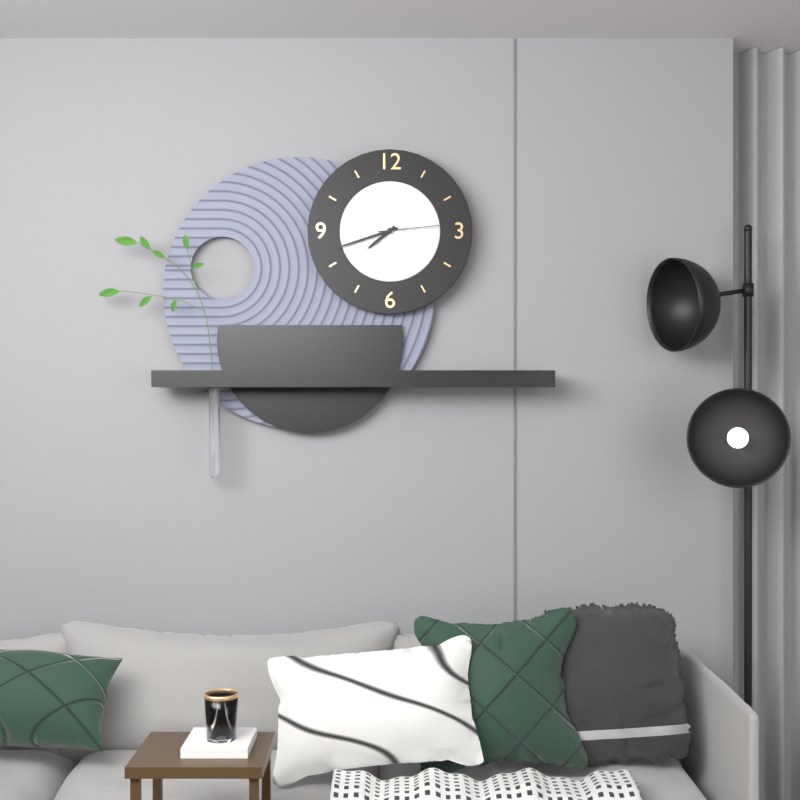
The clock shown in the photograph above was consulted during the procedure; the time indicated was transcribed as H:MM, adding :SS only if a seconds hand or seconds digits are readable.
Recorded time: 7:42:14
